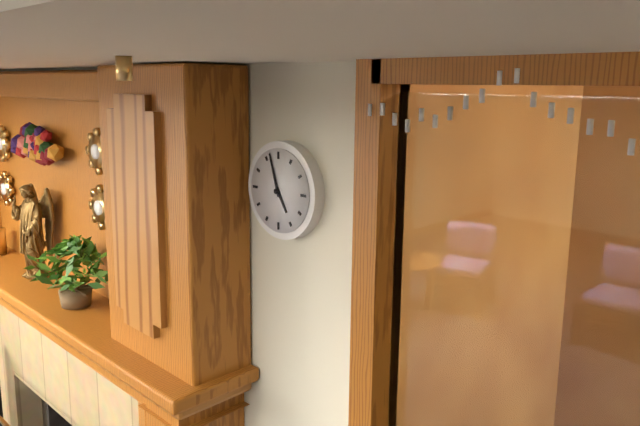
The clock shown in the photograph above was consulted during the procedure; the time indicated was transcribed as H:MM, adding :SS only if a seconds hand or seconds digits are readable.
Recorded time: 4:57
